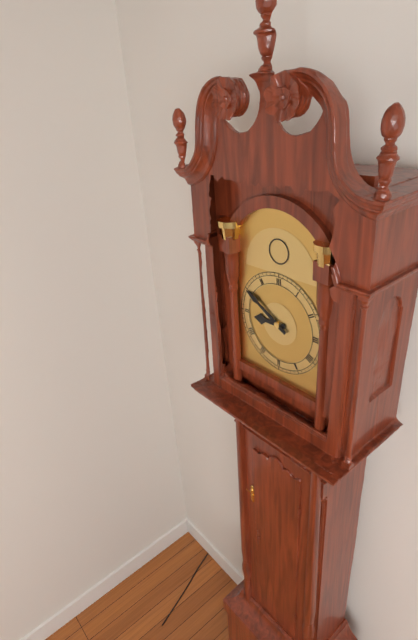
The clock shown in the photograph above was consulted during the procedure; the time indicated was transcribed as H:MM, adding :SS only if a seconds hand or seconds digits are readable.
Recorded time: 8:50
